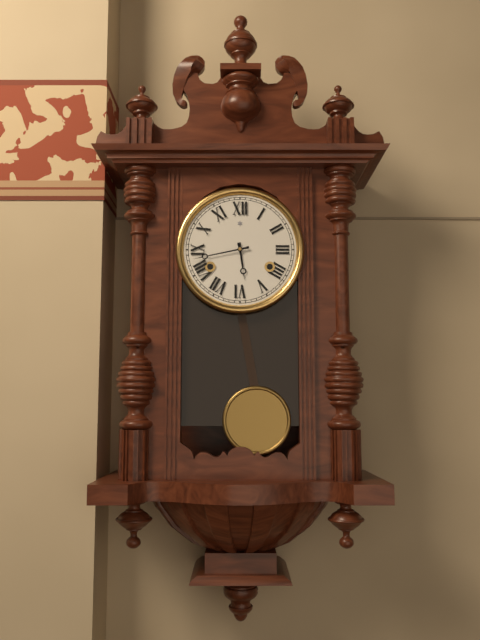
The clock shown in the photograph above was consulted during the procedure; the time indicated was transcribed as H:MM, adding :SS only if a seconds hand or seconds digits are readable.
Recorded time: 5:43
